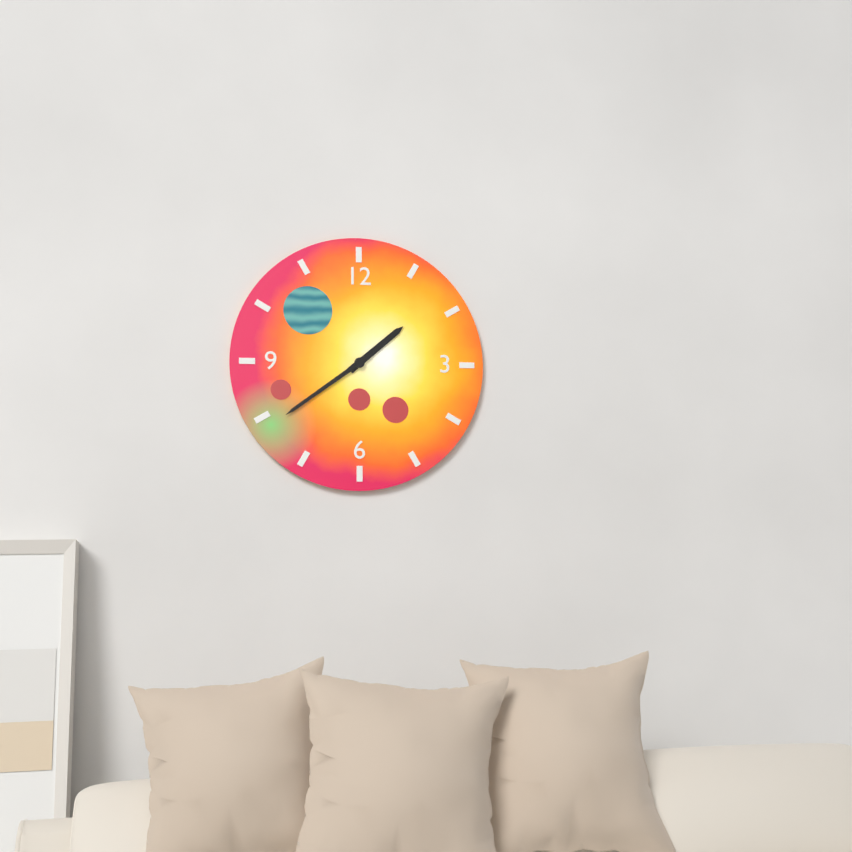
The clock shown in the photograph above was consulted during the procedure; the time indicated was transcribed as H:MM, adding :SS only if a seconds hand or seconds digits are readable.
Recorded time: 1:39
